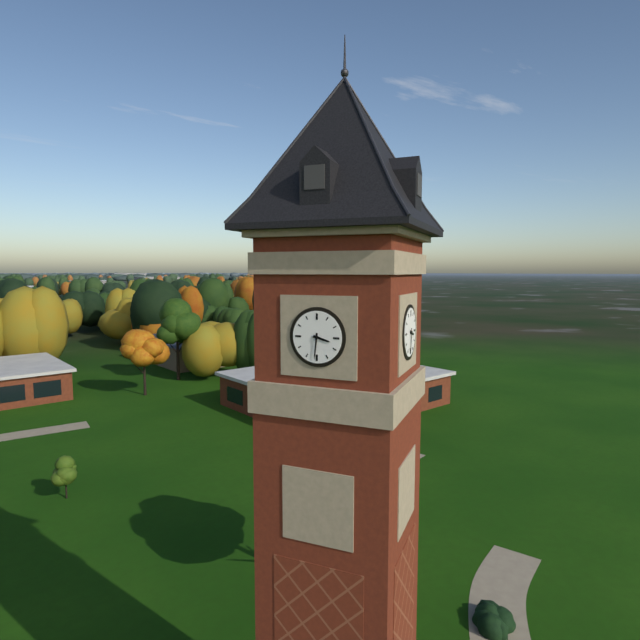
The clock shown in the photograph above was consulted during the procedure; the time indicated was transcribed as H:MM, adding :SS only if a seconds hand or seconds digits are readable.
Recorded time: 3:31
